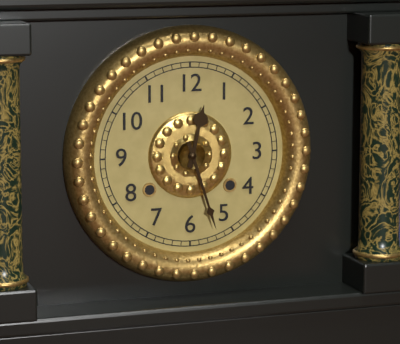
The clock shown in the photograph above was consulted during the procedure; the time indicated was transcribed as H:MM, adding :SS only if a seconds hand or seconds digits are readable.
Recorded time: 12:27
